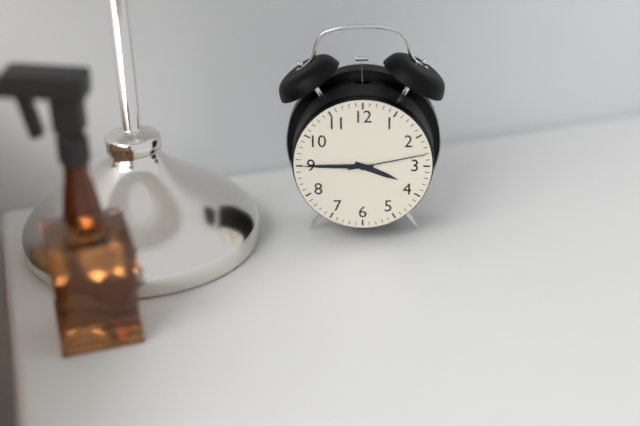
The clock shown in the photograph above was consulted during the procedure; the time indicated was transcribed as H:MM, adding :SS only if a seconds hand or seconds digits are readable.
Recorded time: 3:45:13
